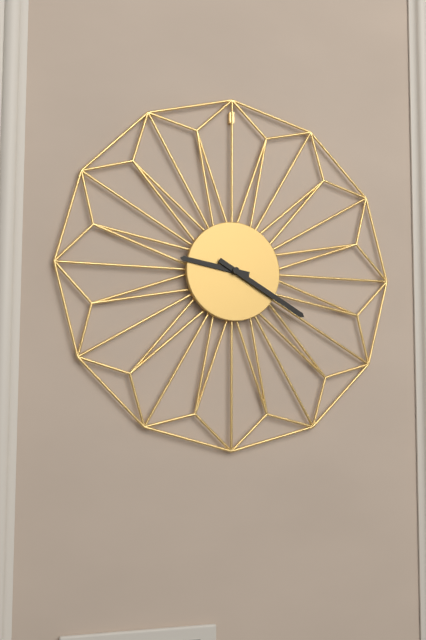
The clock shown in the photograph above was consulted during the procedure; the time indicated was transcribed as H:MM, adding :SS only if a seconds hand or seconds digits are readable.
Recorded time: 9:20
